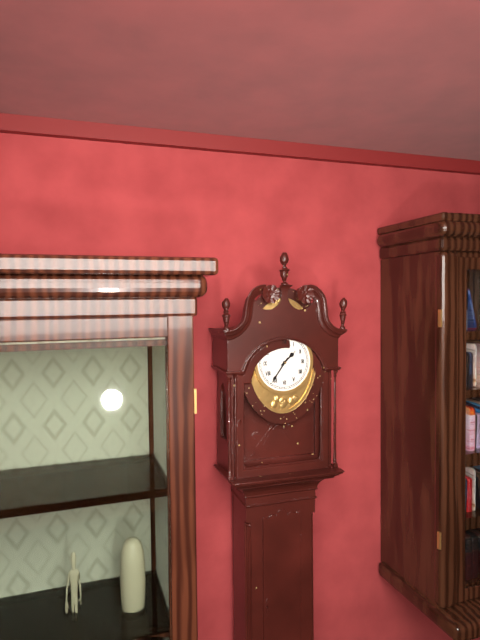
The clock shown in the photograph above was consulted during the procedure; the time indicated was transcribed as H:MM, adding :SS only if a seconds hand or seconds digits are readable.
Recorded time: 1:36
